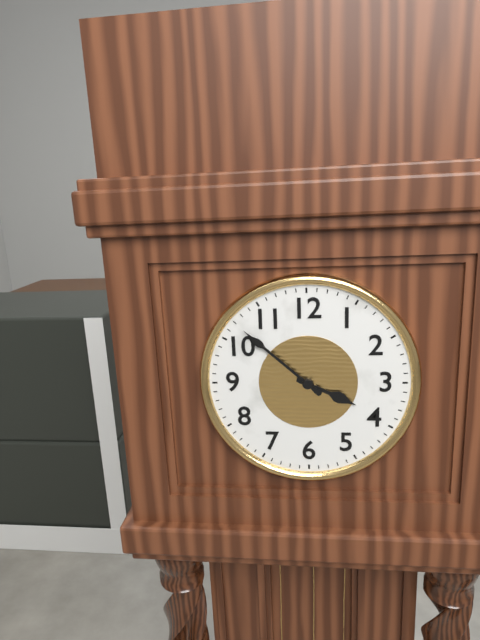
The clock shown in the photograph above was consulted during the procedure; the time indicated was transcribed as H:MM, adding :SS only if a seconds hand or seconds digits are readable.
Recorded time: 3:52
